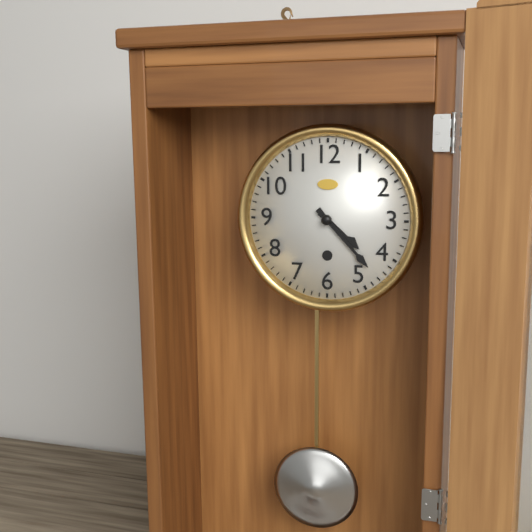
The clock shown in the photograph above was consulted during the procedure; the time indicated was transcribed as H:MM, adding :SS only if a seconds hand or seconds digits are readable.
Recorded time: 4:23
